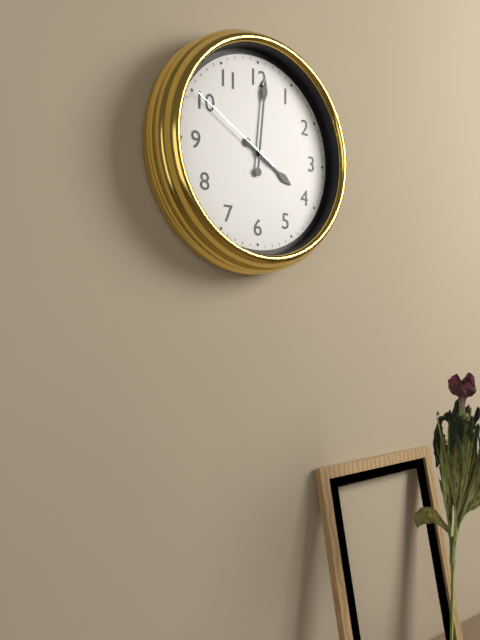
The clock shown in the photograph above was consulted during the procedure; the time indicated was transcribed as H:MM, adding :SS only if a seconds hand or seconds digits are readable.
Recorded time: 4:01:50
